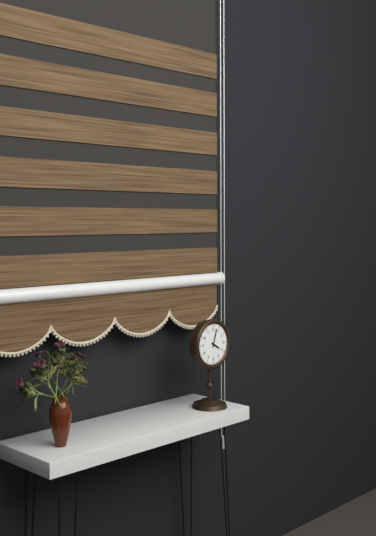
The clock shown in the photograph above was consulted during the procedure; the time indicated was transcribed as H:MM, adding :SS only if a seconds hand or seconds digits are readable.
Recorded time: 4:03
